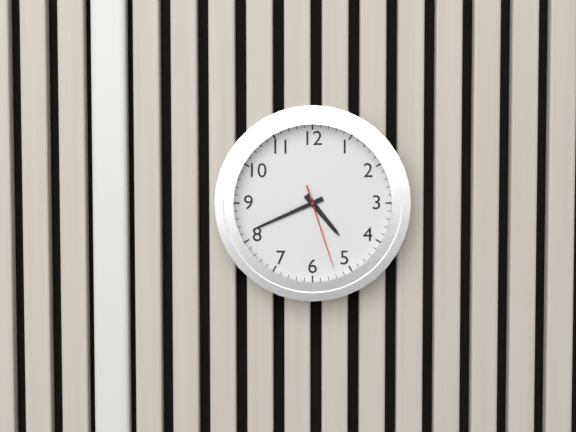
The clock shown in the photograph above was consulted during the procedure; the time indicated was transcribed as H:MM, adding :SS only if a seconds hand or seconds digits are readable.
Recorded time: 4:41:27
